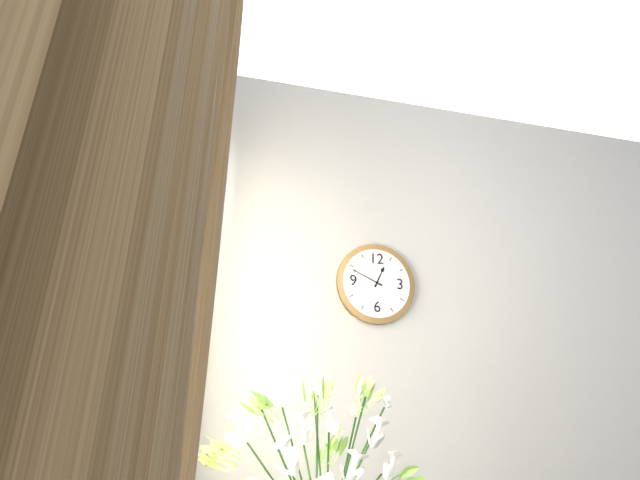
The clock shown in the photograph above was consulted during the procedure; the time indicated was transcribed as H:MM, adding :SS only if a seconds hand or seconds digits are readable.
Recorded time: 12:49
